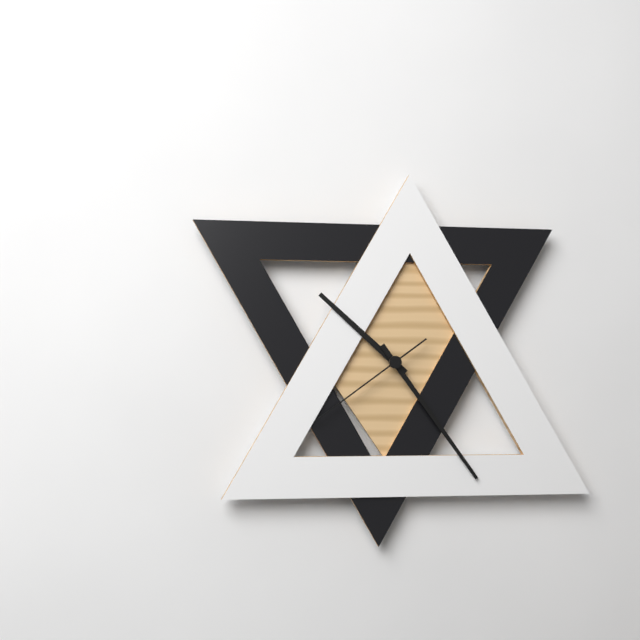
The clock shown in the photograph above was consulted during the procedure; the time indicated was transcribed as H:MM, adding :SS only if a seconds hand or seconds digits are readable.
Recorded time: 10:24:39
